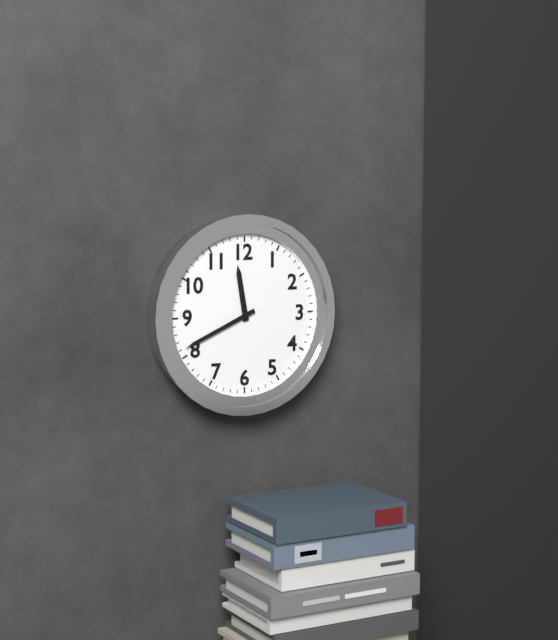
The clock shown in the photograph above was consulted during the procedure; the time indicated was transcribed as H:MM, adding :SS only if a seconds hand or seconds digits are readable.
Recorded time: 11:41
